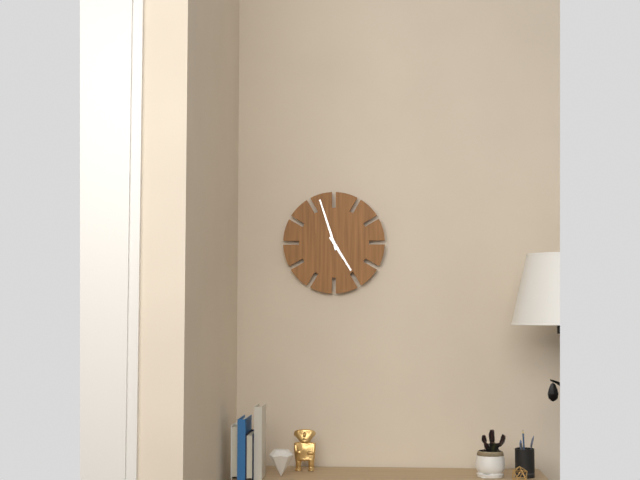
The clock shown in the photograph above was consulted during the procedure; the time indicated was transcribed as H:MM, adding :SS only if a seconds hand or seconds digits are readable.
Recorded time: 4:57
